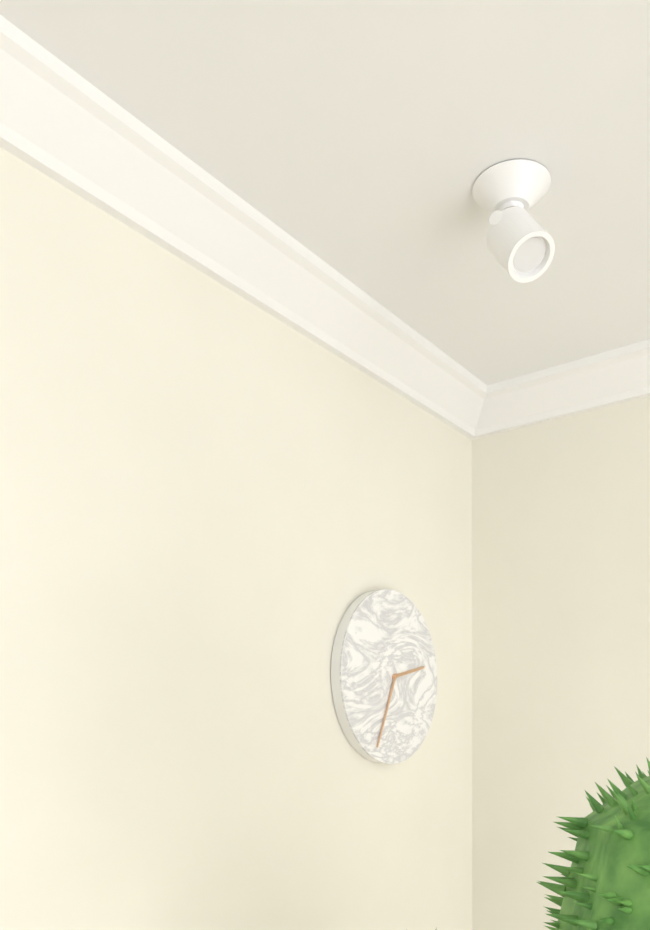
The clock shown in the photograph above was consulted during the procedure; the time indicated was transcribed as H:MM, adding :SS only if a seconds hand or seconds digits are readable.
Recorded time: 2:34
